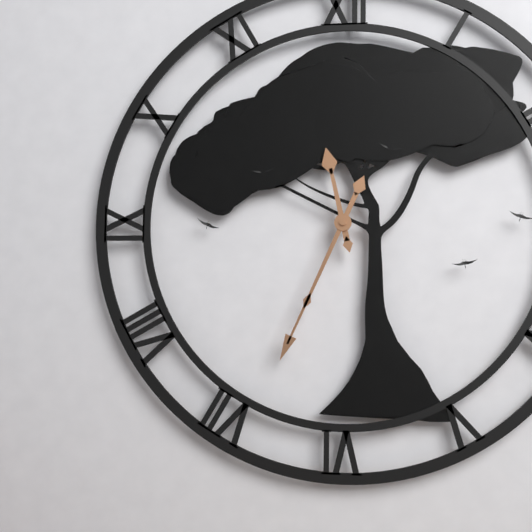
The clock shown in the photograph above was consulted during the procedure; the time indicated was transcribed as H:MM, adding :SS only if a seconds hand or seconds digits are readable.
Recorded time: 11:34
